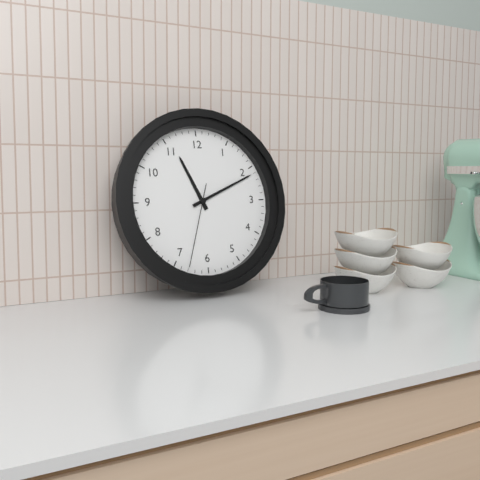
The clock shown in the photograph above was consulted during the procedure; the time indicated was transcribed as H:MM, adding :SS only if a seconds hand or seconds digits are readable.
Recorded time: 11:11:33
